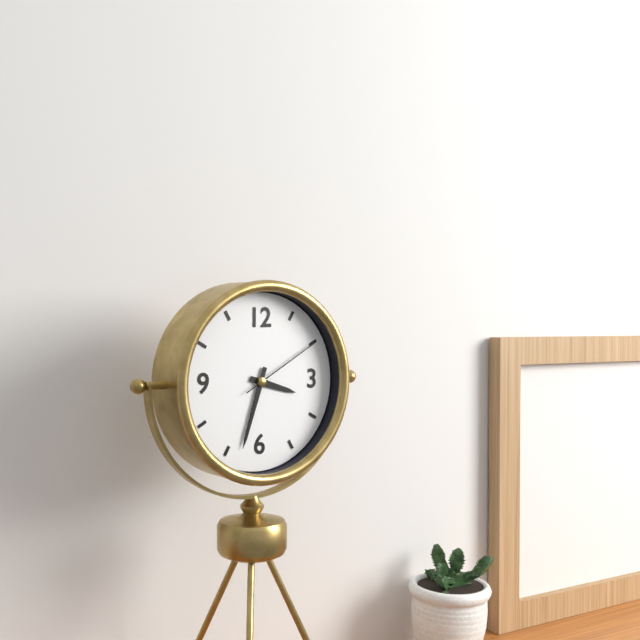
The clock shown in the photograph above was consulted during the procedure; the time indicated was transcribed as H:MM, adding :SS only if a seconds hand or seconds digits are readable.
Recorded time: 3:33:10
